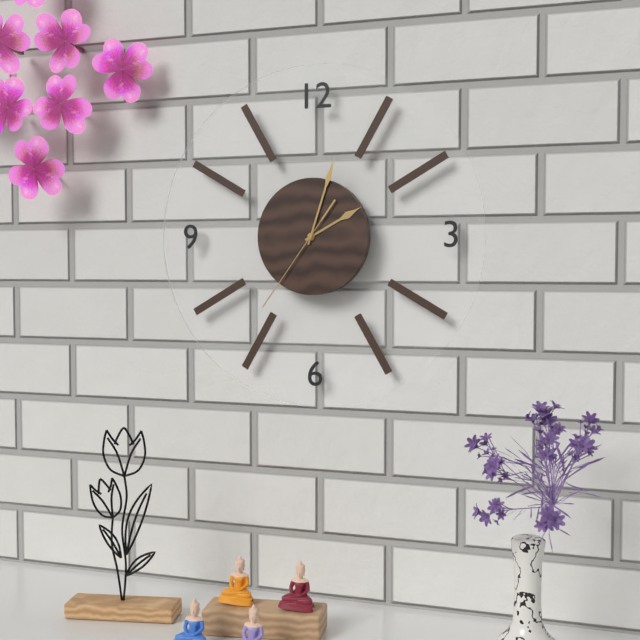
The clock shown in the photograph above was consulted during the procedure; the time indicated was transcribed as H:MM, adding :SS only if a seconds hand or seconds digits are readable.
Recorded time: 2:03:36
